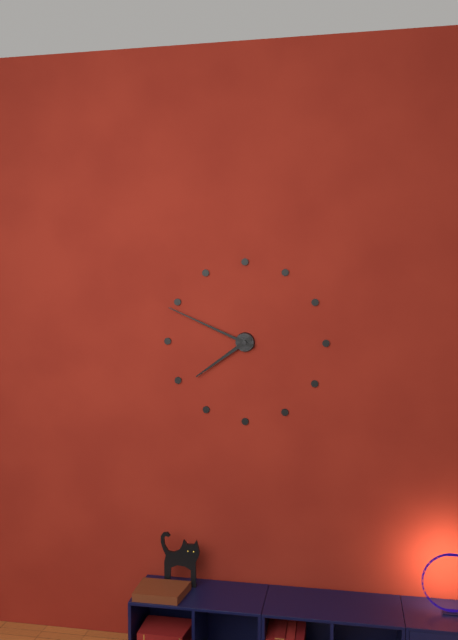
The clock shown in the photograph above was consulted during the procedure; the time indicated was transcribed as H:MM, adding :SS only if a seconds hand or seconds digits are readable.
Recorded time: 7:49
